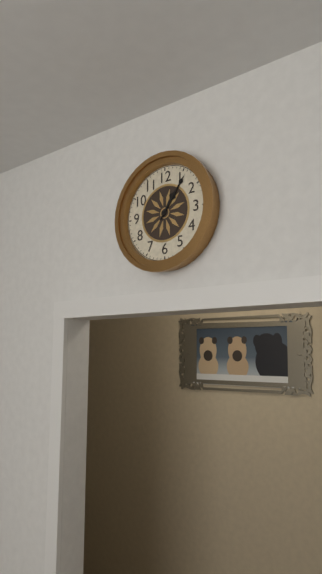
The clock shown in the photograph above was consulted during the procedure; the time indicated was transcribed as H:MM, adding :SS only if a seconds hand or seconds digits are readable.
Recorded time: 1:06
